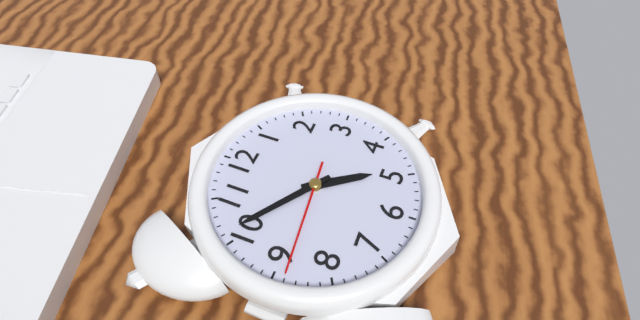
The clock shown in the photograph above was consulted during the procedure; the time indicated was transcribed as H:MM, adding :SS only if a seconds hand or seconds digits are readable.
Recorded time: 4:51:44
